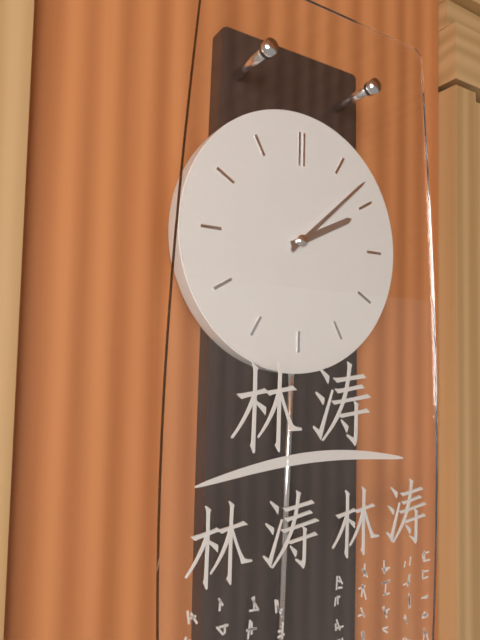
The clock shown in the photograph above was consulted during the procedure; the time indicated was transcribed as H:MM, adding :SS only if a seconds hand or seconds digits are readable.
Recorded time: 2:08
